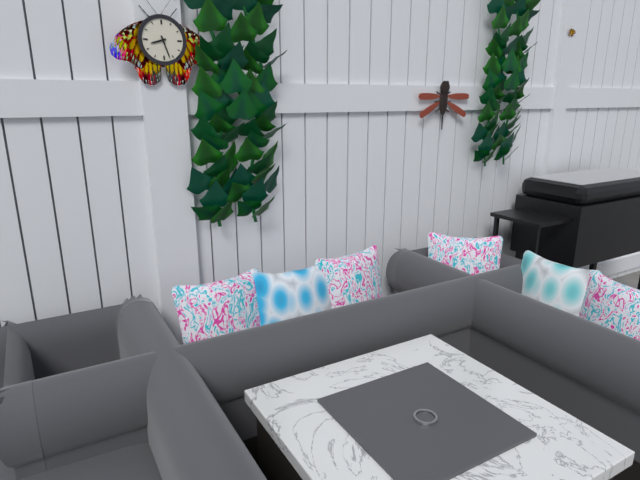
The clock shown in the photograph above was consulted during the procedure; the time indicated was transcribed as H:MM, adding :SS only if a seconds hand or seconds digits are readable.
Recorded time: 8:27
